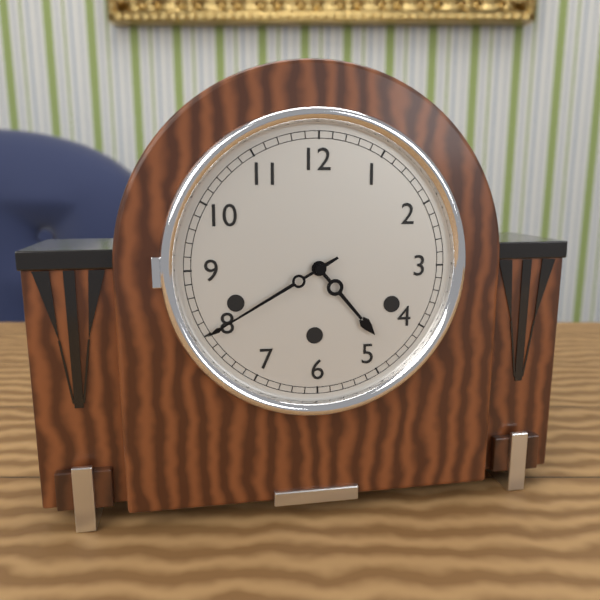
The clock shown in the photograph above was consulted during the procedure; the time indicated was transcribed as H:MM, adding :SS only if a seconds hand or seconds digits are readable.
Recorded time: 4:40
